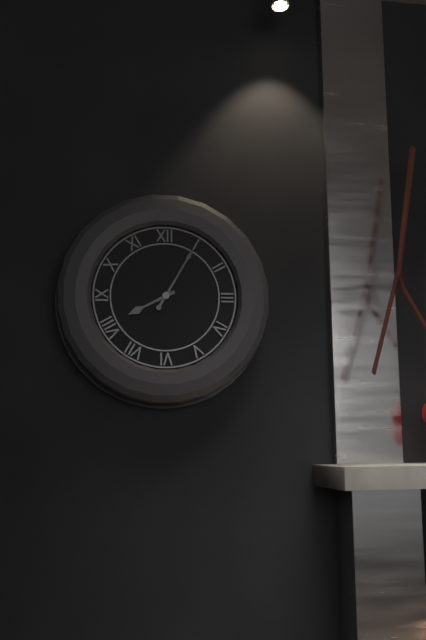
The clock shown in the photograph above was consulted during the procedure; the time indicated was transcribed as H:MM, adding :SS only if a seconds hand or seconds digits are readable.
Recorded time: 8:05
